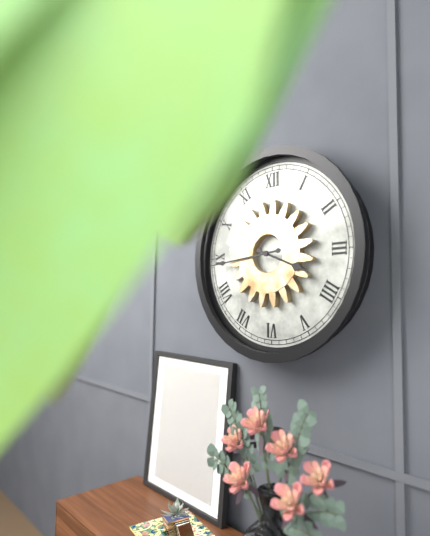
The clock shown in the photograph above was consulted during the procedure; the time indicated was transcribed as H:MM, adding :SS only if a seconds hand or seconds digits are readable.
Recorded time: 3:44
